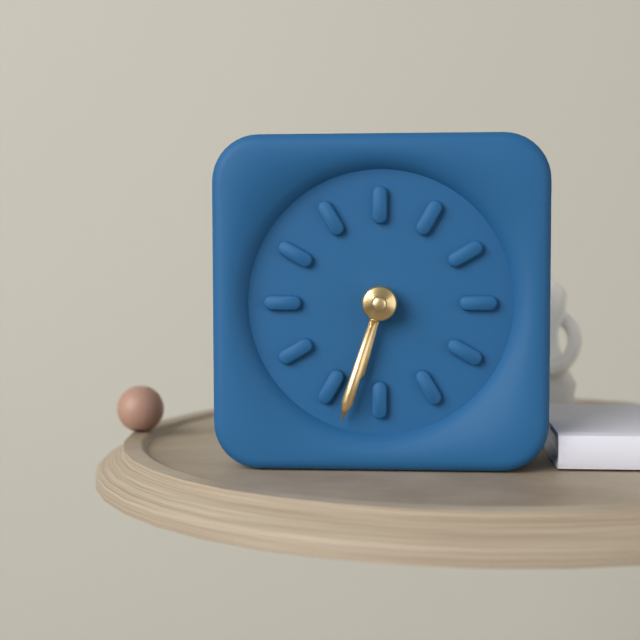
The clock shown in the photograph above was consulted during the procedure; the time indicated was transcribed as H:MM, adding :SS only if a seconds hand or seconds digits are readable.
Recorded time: 6:33
